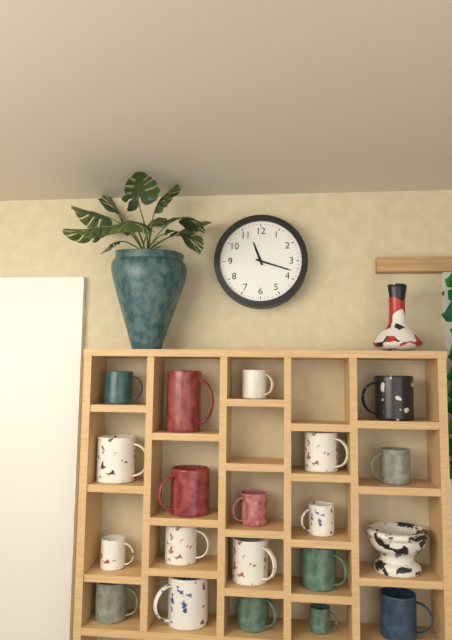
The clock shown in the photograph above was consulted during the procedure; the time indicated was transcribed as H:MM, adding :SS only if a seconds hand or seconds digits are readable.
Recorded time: 11:18
